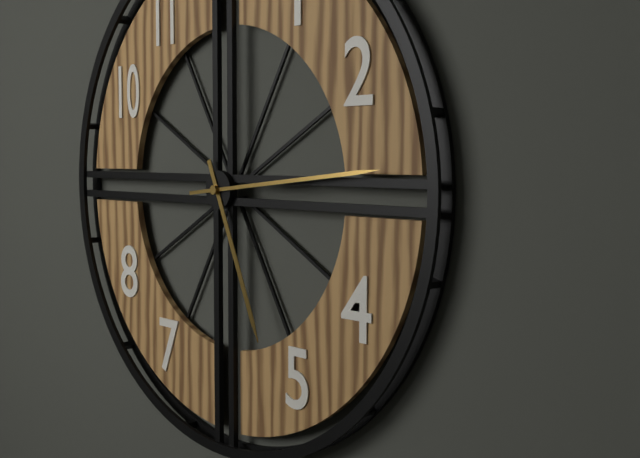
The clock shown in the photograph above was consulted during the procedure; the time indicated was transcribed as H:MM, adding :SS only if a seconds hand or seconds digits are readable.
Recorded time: 5:14
